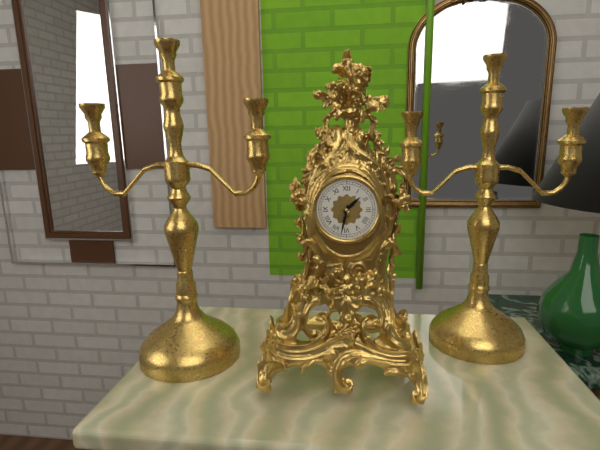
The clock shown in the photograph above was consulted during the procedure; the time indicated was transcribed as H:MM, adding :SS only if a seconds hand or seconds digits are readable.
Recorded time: 1:32
